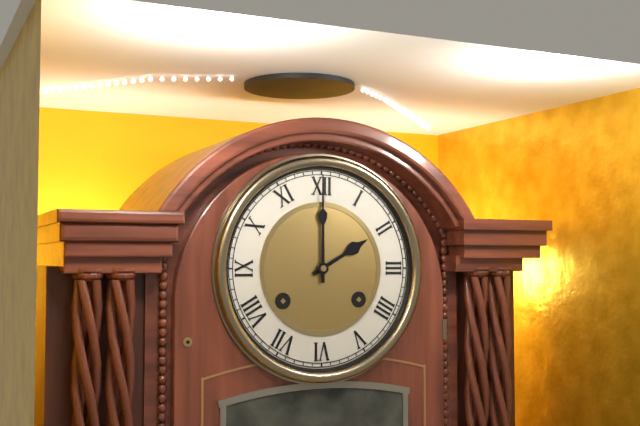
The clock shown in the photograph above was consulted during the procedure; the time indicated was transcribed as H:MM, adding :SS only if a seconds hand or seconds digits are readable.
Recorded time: 2:00
